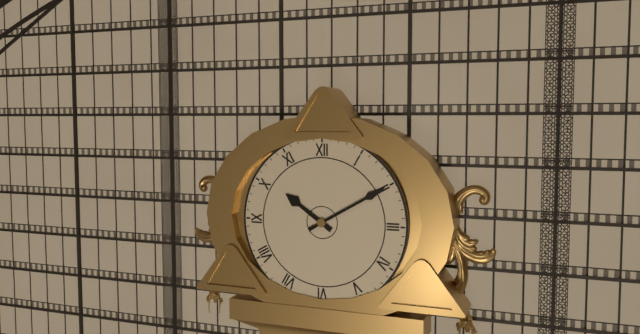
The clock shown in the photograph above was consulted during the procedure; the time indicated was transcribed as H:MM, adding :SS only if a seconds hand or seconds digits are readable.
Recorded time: 10:10
